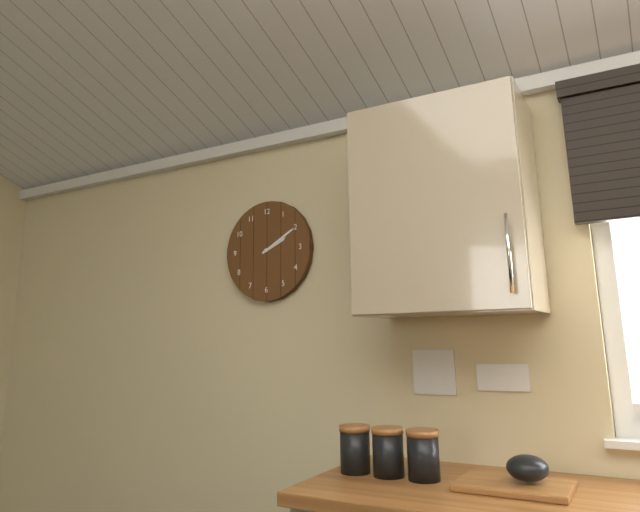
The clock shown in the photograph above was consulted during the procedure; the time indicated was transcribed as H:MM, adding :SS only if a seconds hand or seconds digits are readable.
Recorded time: 2:10
